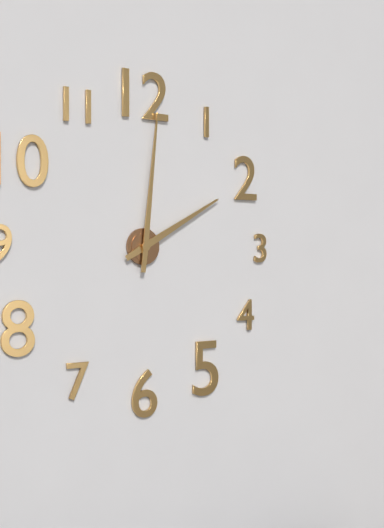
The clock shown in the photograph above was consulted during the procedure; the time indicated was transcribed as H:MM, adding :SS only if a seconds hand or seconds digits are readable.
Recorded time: 2:01
